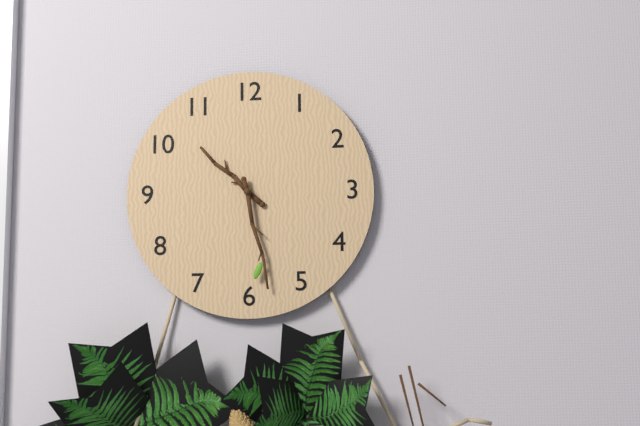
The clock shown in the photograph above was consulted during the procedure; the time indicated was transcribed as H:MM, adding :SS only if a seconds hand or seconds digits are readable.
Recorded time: 10:28
